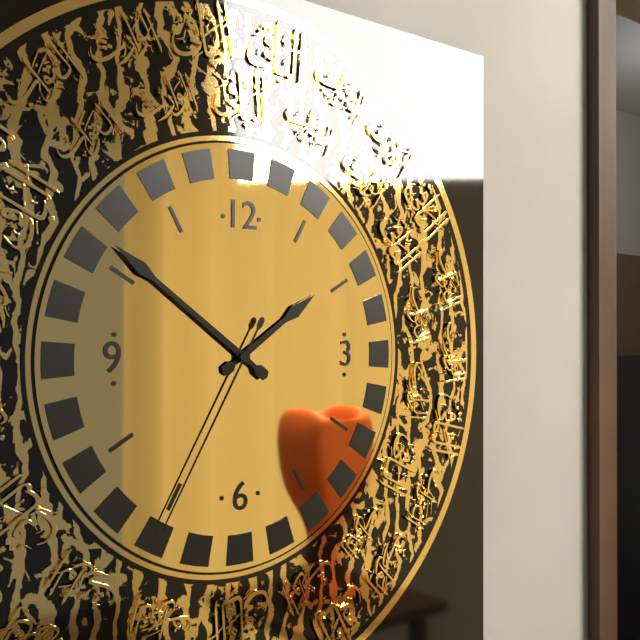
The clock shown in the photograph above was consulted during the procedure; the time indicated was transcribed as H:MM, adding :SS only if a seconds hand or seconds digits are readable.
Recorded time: 1:51:35
